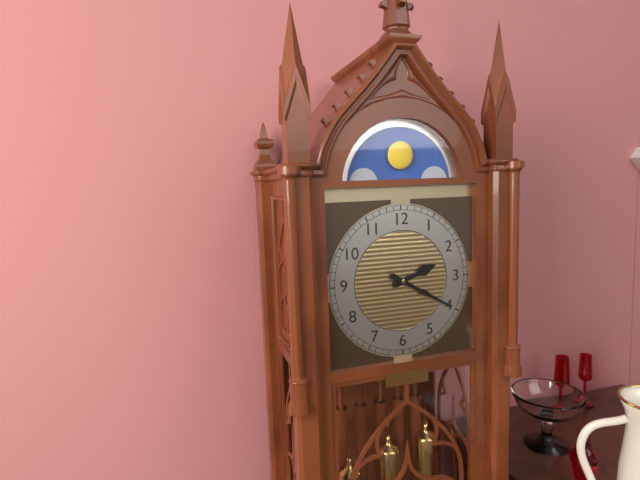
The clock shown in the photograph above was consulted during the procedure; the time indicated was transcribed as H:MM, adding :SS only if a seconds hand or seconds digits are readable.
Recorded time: 2:20
